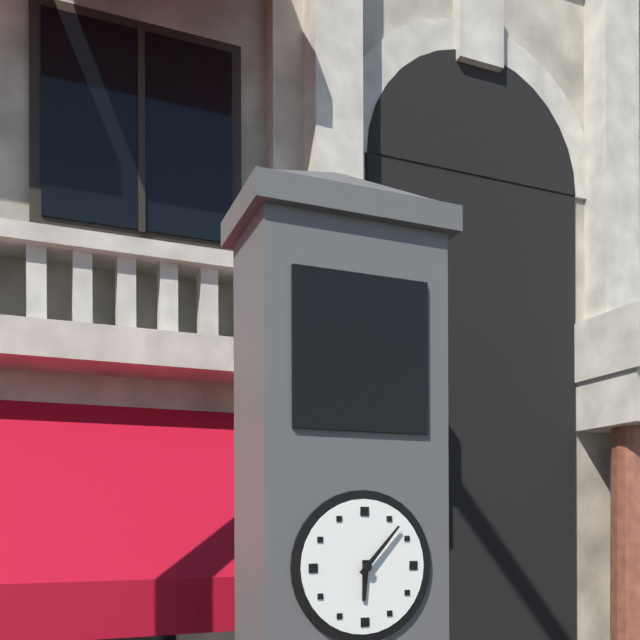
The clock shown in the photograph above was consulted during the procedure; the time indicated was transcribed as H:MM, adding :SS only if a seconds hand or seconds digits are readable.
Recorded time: 6:07
